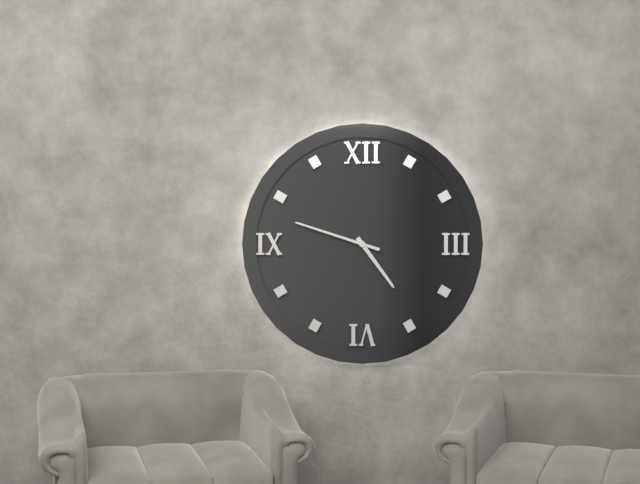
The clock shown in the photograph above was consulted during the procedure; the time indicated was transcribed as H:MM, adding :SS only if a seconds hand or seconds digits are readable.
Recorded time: 4:48
